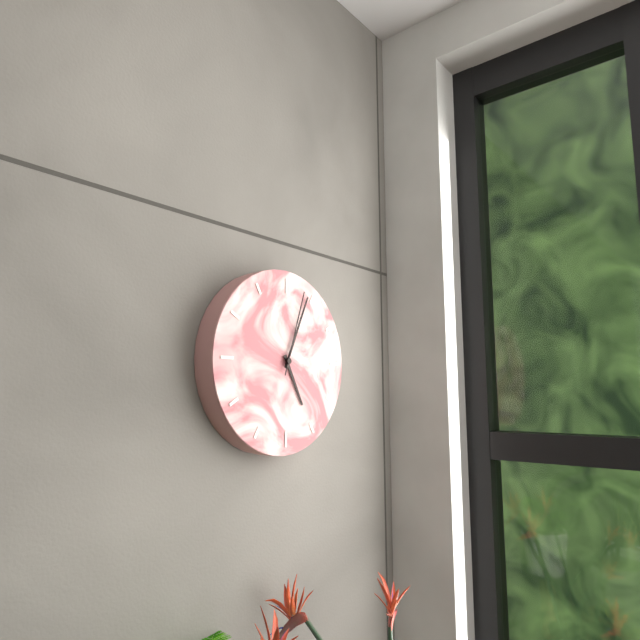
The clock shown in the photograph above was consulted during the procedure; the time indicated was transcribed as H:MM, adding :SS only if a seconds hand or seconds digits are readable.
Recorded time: 5:04:03
